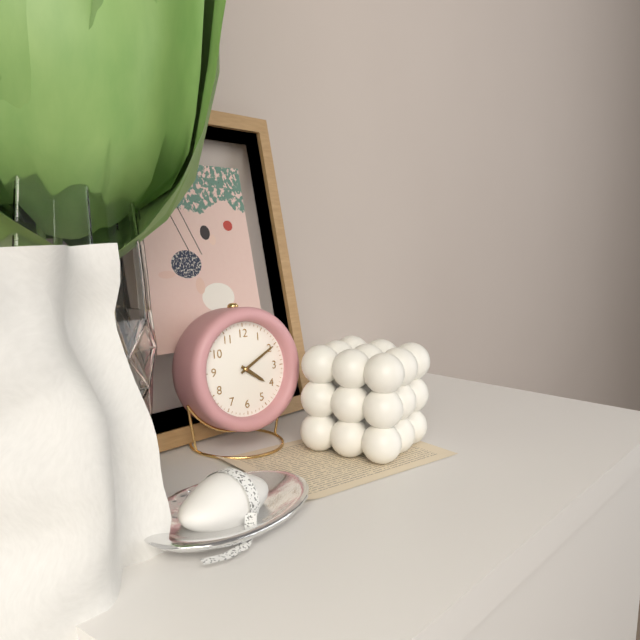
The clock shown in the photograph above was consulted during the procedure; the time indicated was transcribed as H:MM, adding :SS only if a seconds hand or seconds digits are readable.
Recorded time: 4:10
